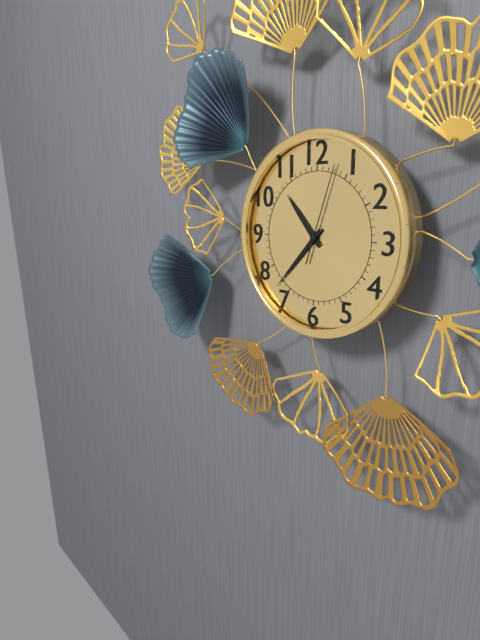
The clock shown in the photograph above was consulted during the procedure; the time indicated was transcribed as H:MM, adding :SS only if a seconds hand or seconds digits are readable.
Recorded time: 10:37:03
